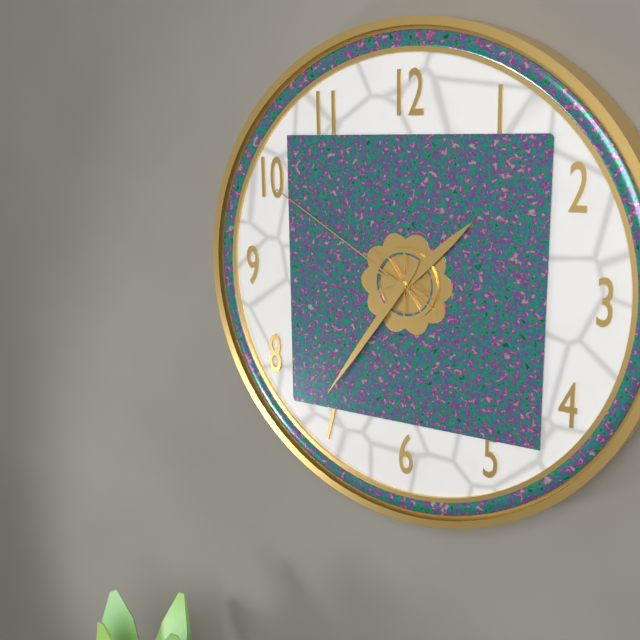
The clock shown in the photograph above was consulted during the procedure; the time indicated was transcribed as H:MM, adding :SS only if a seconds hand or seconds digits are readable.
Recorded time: 1:36:50
